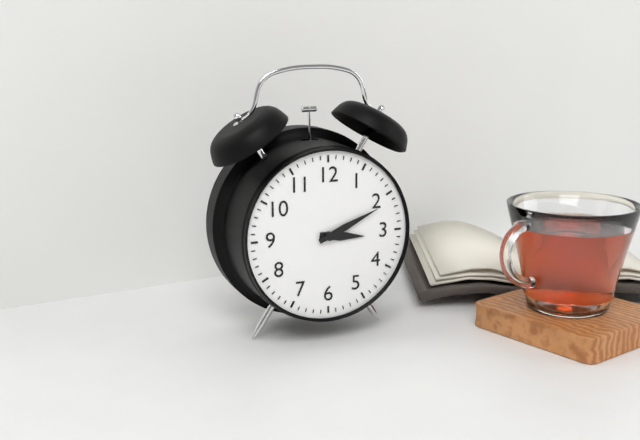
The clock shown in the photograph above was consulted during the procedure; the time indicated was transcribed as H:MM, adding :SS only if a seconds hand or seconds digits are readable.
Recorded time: 3:11
